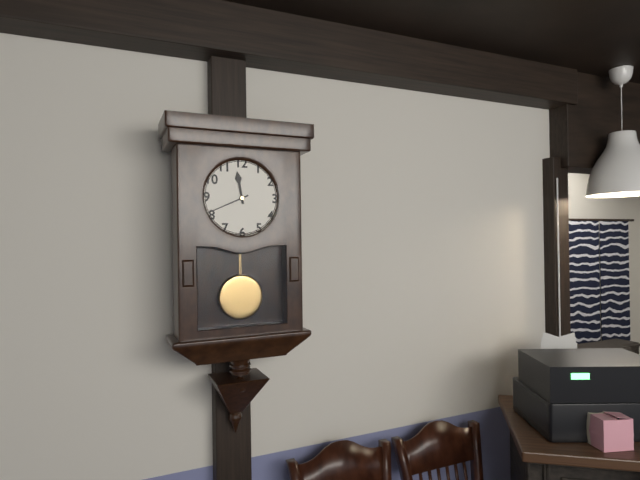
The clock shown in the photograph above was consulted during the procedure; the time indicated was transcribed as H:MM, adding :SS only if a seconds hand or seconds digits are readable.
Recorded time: 11:41
